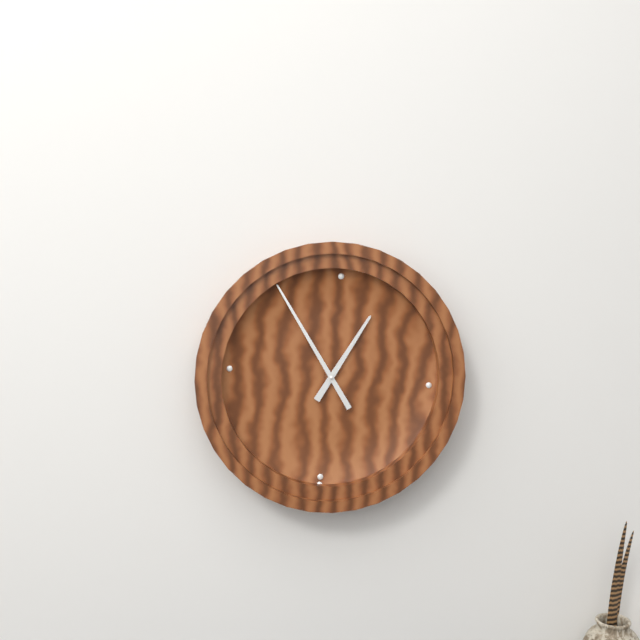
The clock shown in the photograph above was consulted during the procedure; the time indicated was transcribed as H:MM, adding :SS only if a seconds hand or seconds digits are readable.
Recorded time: 12:54
